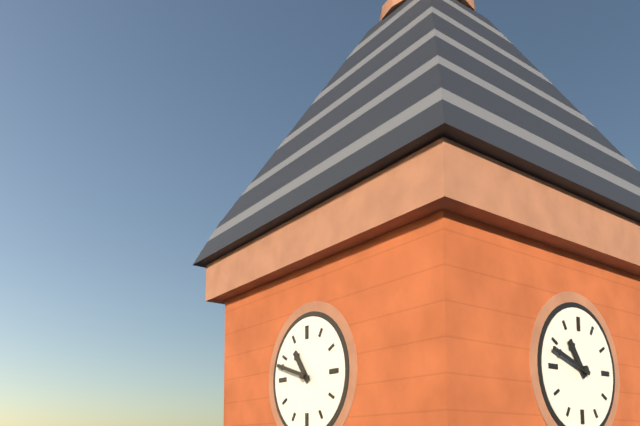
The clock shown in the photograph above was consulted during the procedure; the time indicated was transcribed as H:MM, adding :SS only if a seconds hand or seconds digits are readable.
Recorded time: 10:48
